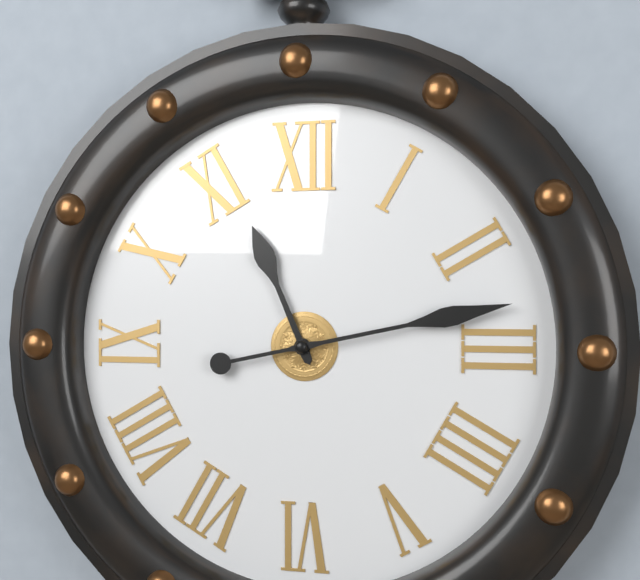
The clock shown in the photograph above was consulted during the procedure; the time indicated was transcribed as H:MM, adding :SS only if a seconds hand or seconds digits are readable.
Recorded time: 11:13
